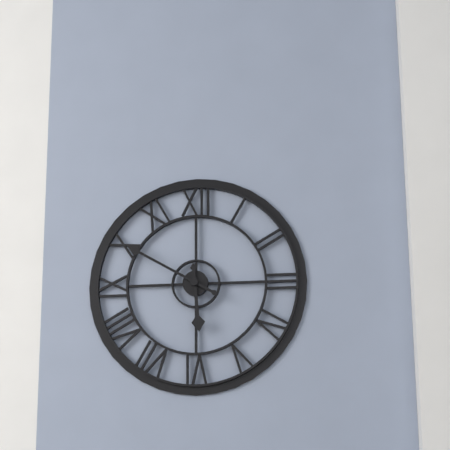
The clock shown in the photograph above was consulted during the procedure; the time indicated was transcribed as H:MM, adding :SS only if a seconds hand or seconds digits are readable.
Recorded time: 5:50
